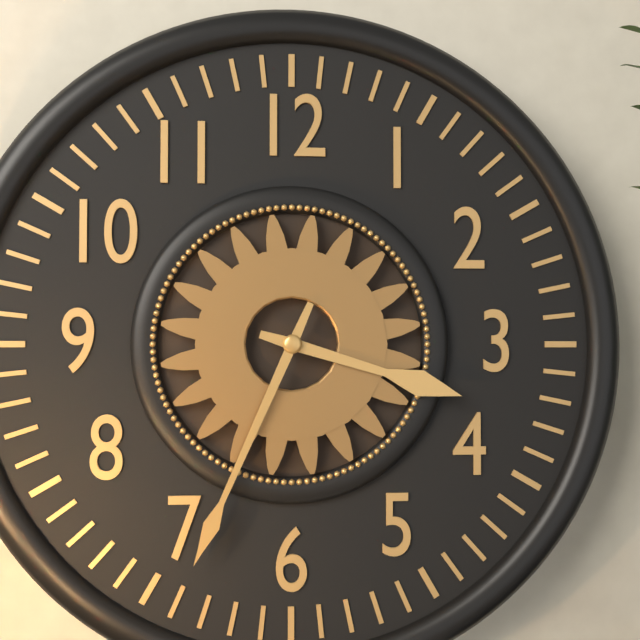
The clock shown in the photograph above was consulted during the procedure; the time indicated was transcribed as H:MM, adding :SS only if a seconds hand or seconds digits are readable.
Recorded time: 3:34
